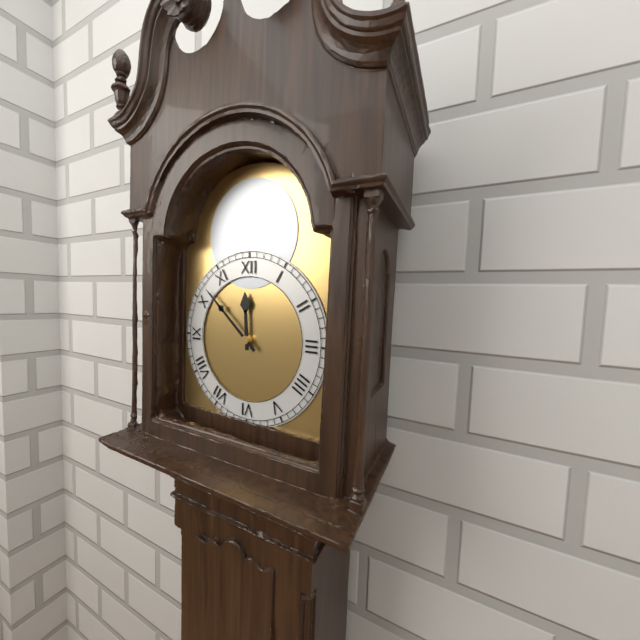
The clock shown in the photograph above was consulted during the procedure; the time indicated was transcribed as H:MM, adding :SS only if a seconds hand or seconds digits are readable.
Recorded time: 11:52
